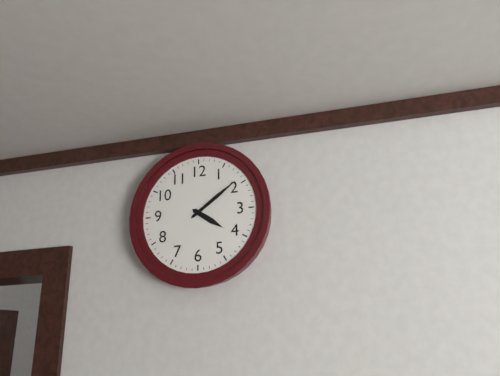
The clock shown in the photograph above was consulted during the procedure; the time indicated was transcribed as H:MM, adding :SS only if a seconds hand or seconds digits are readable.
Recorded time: 4:09
